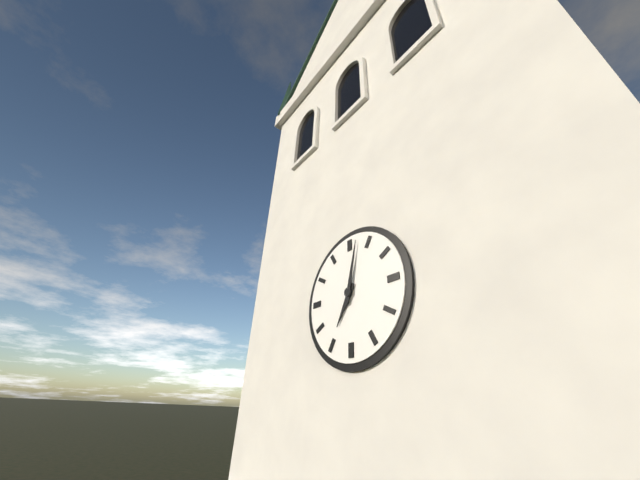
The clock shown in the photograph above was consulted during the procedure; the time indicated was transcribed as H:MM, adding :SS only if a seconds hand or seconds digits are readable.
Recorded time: 7:02
